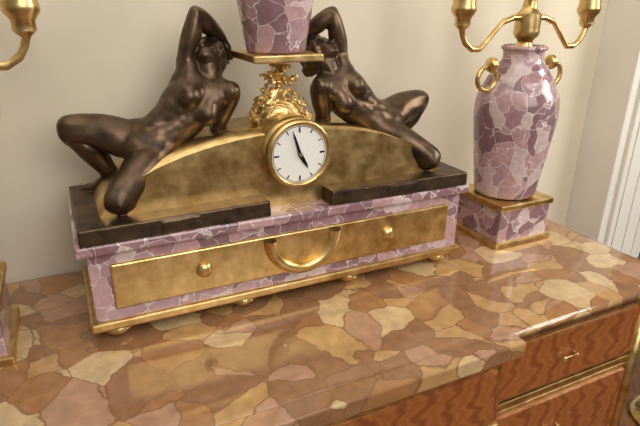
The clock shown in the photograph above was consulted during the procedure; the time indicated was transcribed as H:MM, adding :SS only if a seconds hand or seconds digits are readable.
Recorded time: 4:57
